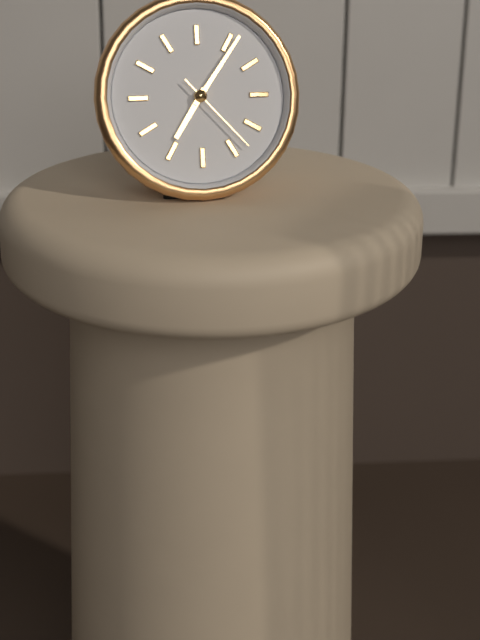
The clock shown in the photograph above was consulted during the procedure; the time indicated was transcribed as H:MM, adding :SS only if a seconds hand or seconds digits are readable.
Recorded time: 7:06:23
